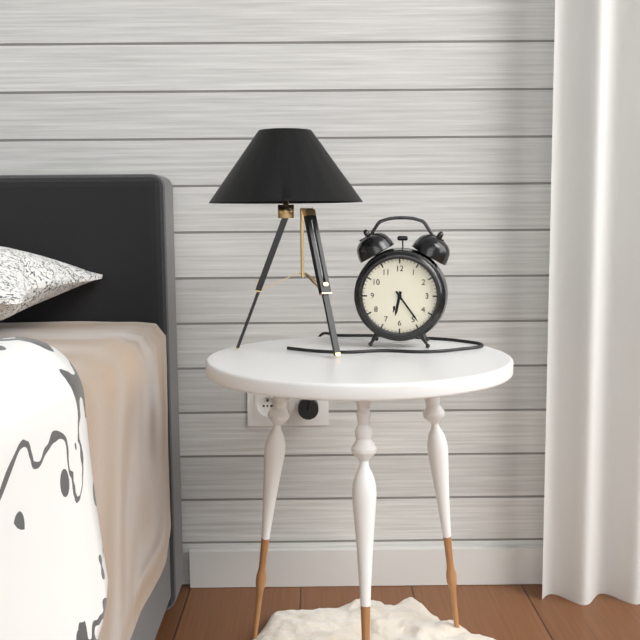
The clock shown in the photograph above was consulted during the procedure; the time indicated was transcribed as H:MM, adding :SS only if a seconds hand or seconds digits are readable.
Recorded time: 6:24
